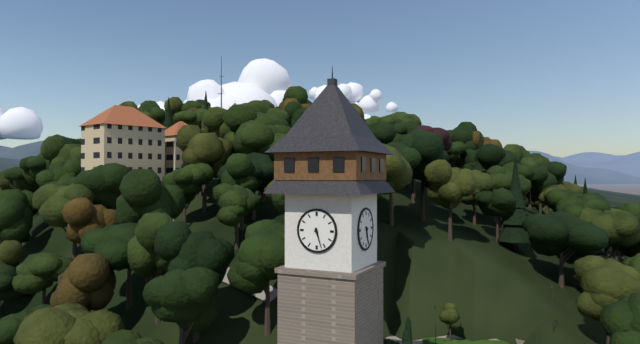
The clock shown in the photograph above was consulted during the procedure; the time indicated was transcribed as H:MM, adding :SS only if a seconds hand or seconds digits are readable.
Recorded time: 5:27
